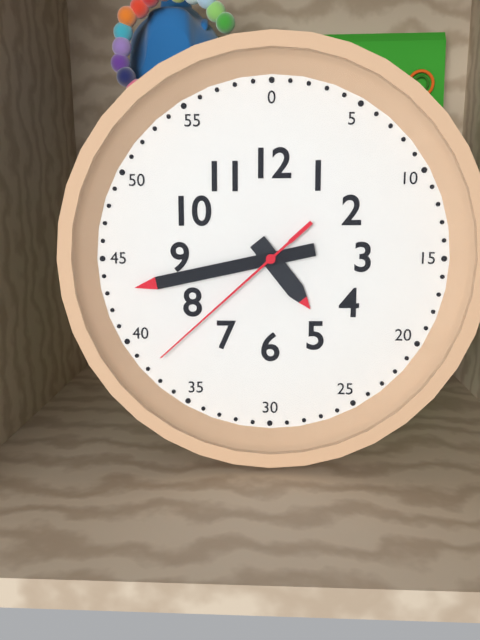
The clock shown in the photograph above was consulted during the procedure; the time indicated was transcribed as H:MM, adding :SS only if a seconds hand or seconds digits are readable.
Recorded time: 4:43:38
